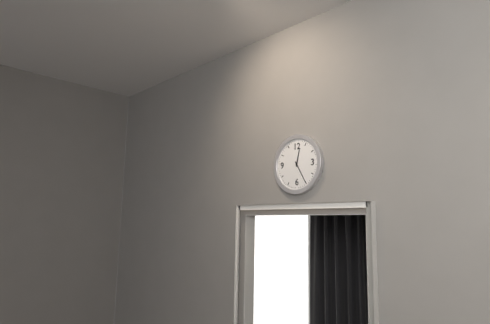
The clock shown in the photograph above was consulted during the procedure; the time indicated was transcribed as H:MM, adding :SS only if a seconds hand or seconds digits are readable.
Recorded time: 12:25
